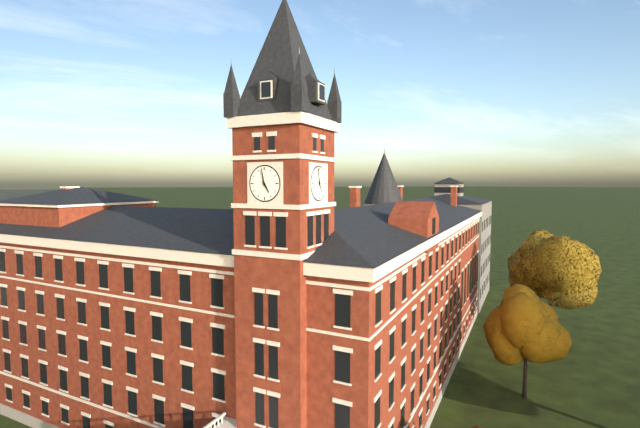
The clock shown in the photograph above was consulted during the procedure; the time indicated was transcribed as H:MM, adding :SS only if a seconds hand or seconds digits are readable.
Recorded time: 4:58
